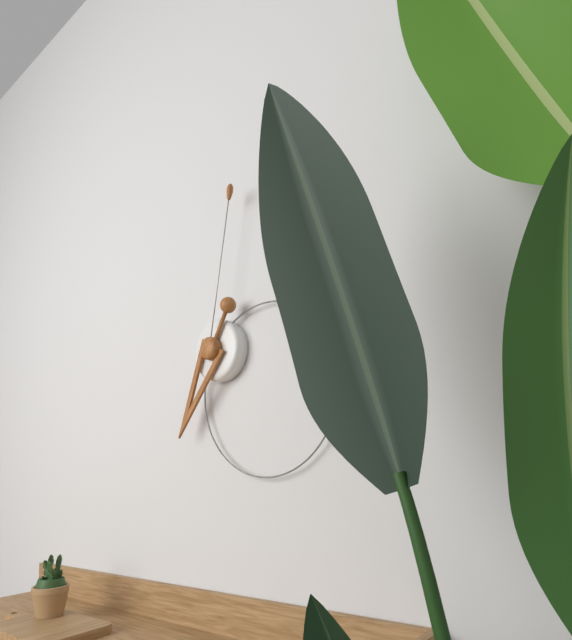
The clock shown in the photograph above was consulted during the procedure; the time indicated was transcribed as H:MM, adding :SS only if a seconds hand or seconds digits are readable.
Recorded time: 7:02
